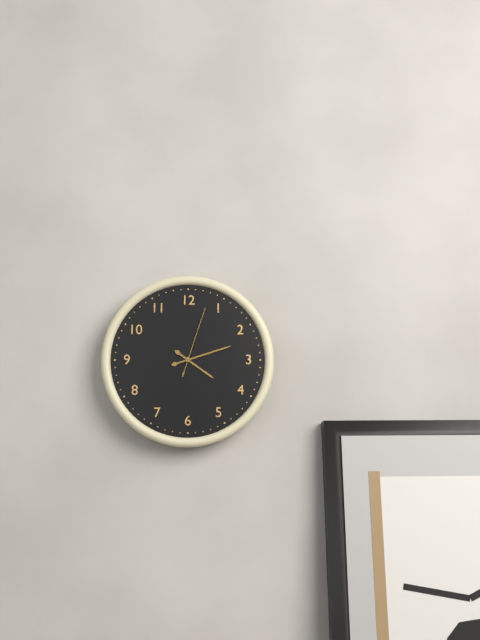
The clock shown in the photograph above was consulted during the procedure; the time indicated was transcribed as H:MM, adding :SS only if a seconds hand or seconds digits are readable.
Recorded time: 4:12:03
